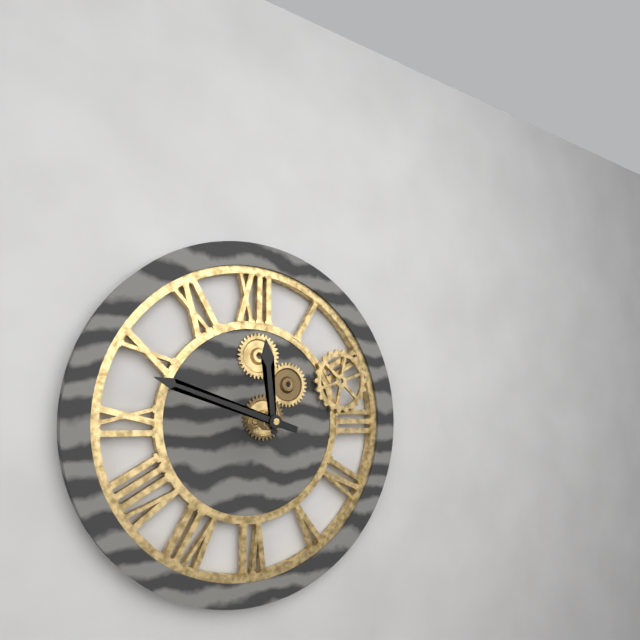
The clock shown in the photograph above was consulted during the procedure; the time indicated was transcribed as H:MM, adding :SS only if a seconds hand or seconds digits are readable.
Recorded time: 11:48
